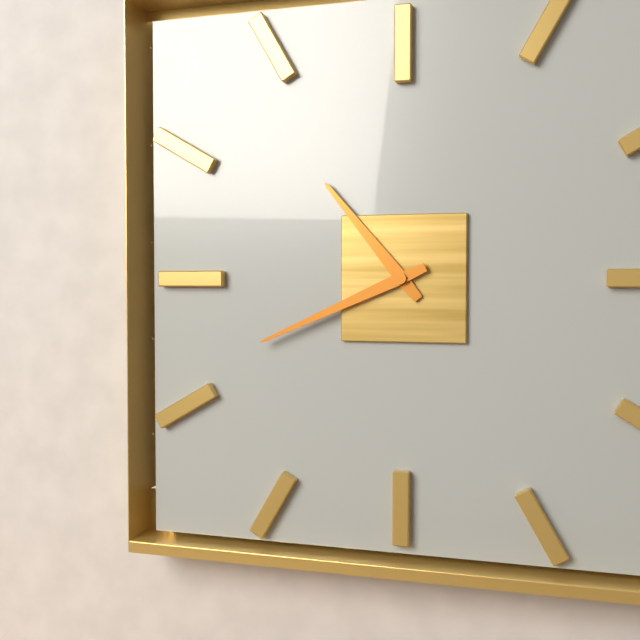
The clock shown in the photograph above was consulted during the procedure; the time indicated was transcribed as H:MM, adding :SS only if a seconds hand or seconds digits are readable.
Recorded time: 10:41
